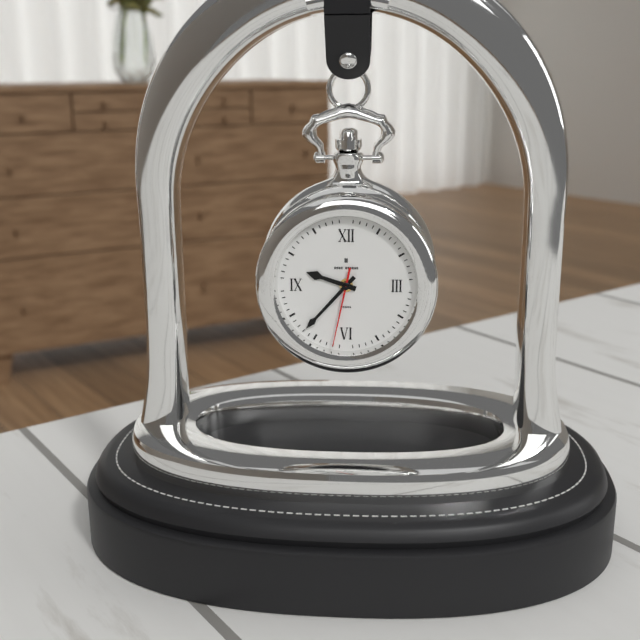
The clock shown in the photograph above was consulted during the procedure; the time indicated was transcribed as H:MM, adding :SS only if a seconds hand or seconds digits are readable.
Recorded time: 9:37:32
